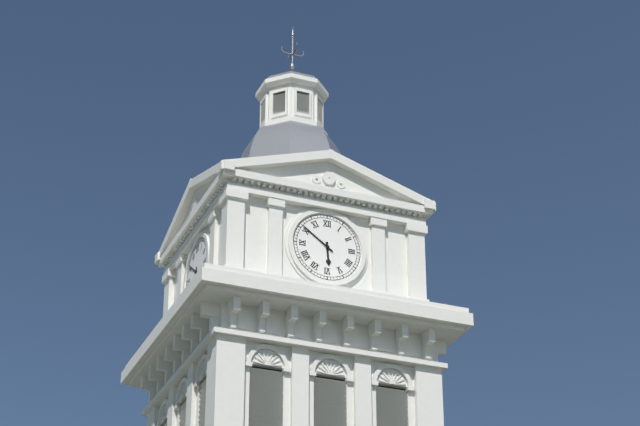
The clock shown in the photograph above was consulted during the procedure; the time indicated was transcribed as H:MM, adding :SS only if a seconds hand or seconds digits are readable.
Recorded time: 5:51
